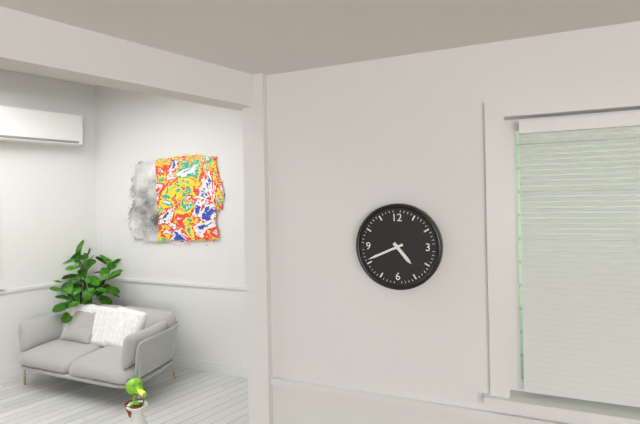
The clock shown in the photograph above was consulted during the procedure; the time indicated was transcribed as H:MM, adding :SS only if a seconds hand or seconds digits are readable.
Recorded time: 4:41
